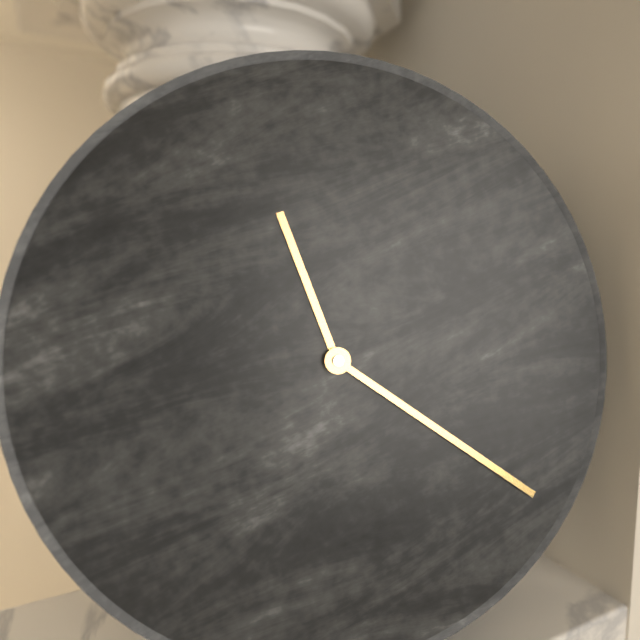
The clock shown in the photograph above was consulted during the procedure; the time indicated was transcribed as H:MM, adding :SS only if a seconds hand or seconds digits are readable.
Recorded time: 11:21
